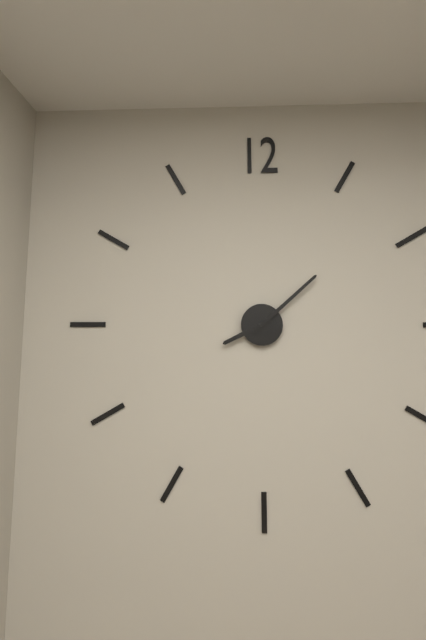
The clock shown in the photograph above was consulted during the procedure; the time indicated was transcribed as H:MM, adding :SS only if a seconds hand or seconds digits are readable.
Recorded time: 8:08
